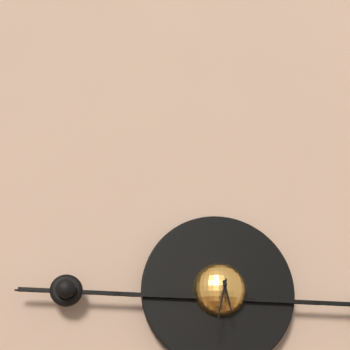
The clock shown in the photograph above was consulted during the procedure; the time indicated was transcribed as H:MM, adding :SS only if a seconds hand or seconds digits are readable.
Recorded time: 5:32
